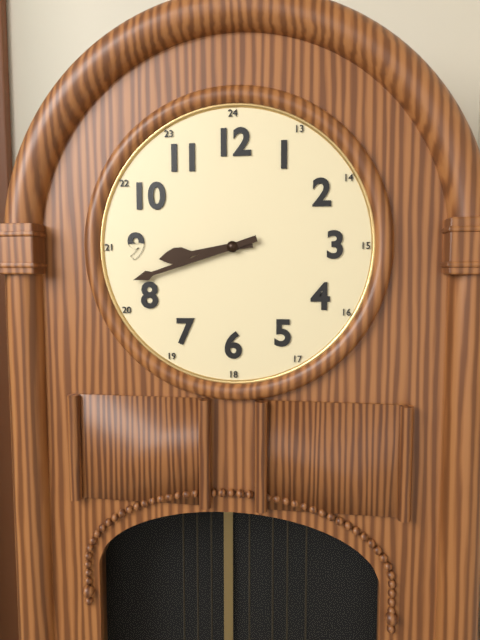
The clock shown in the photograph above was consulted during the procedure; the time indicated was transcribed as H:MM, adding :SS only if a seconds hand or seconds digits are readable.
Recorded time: 8:42
